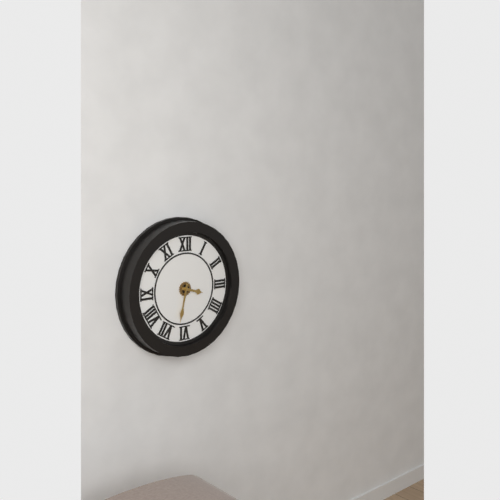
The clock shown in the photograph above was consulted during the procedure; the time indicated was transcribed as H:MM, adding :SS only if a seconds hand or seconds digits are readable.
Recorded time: 3:32
